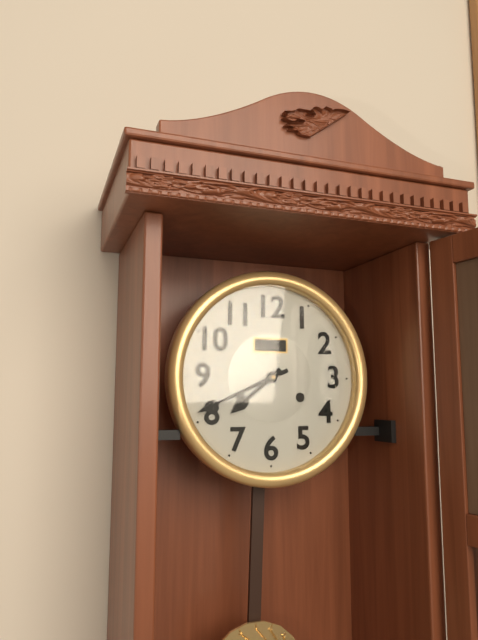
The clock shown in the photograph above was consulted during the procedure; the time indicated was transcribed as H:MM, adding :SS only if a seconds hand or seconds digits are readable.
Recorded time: 7:41
